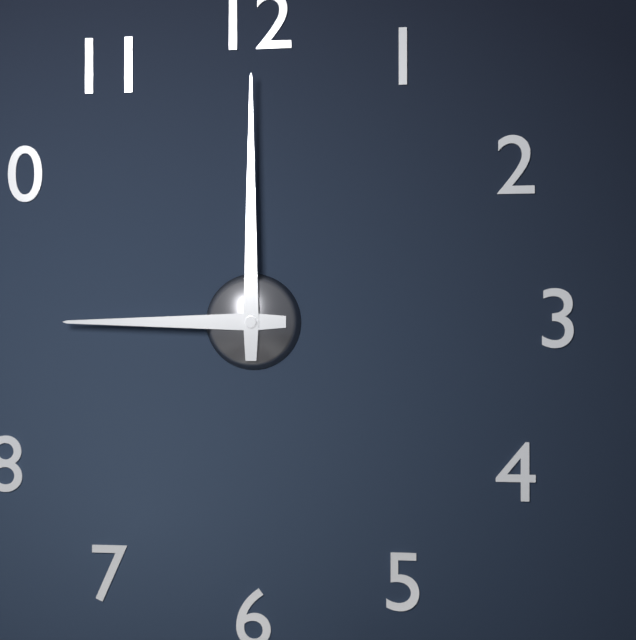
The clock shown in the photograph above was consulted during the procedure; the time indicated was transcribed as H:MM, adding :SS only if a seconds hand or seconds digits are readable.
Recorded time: 9:00
